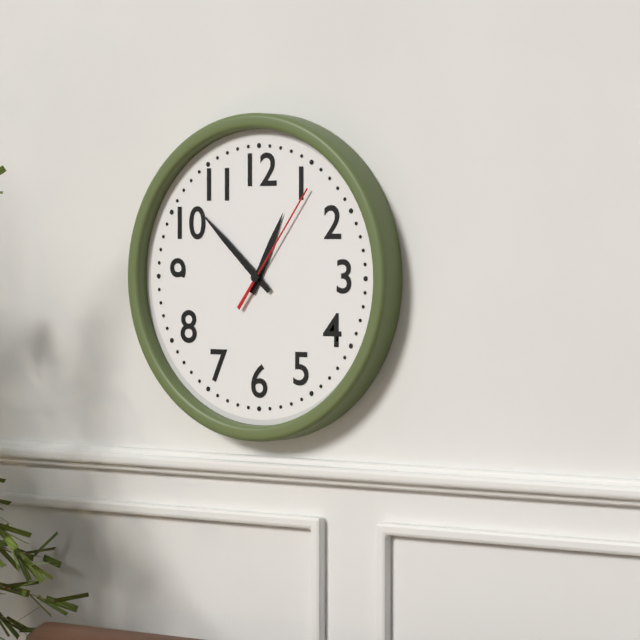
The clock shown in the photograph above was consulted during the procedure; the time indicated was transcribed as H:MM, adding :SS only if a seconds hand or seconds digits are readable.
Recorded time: 12:52:06
